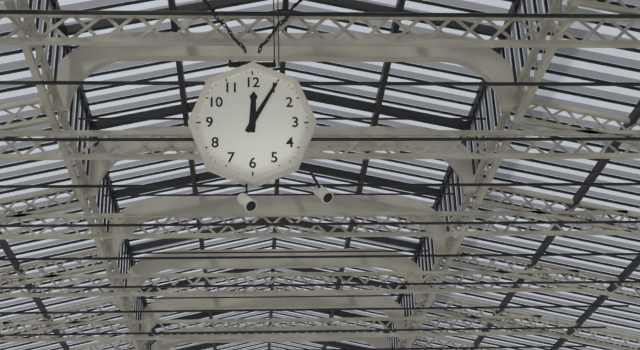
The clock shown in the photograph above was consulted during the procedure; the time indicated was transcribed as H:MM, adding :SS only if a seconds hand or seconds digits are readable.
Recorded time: 12:05
